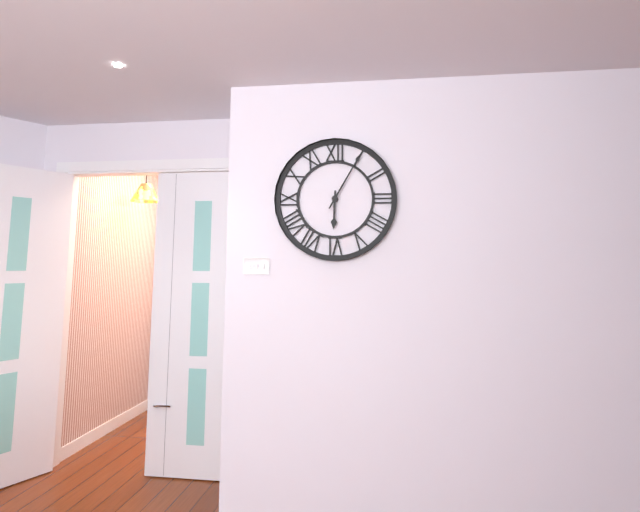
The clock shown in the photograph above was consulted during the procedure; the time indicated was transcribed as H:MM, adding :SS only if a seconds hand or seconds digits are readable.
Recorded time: 6:05
